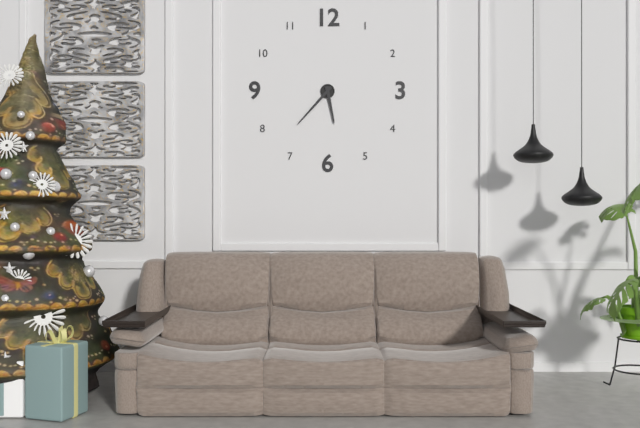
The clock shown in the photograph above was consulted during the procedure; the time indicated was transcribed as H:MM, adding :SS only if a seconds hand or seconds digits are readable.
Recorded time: 5:37
